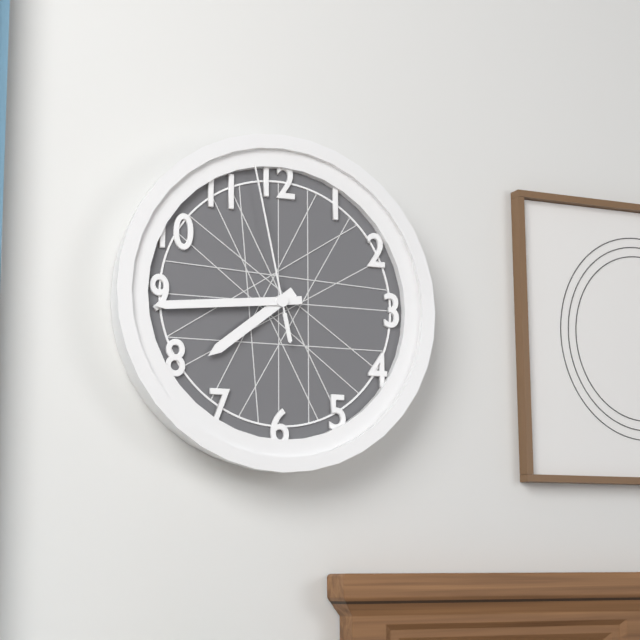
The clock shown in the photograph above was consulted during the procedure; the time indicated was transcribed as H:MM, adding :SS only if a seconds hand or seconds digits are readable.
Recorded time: 7:44:58
